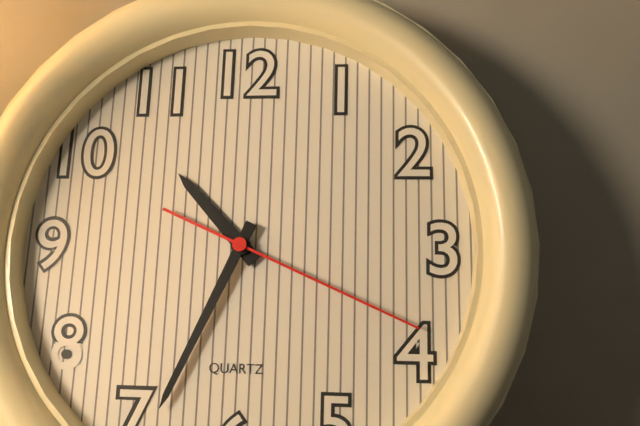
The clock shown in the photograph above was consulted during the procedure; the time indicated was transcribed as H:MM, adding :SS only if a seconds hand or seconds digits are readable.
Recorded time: 10:34:19
